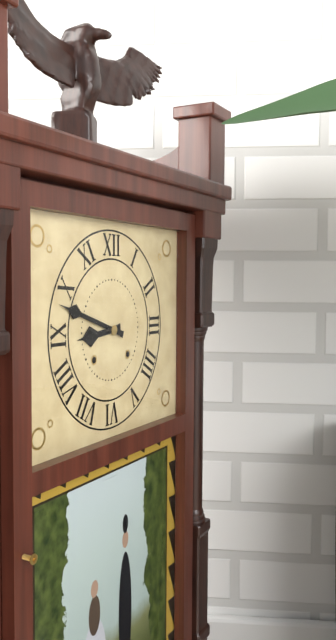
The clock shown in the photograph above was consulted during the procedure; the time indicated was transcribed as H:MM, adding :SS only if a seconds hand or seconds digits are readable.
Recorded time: 8:48
